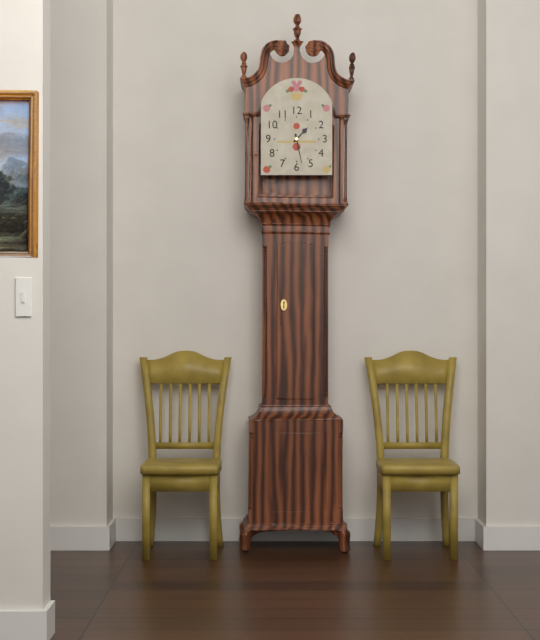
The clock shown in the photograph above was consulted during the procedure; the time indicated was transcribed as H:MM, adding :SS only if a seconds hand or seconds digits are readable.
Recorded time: 1:28
